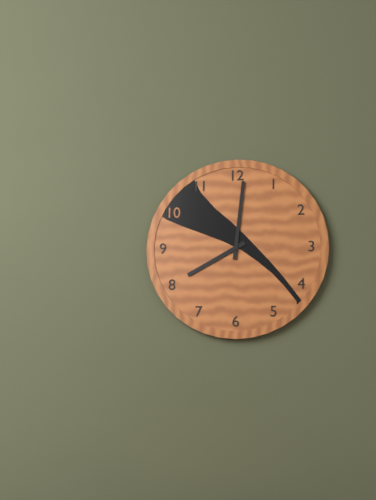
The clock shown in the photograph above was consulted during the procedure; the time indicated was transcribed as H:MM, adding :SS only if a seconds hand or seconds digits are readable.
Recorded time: 8:01
